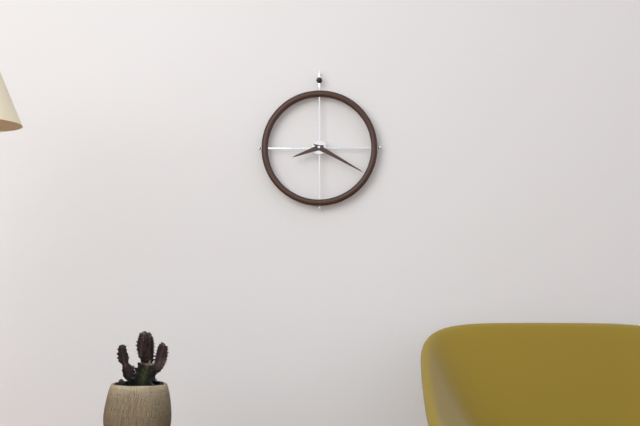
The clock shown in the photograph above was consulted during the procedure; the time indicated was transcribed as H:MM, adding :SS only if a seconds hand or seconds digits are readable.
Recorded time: 8:20
